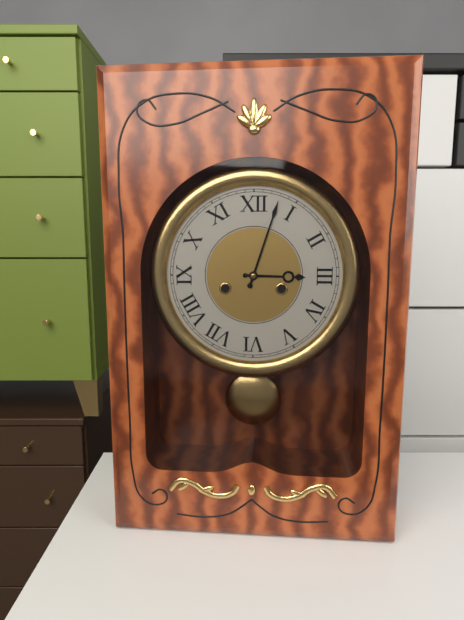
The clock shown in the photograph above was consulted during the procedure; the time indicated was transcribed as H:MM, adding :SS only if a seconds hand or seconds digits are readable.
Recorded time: 3:03
